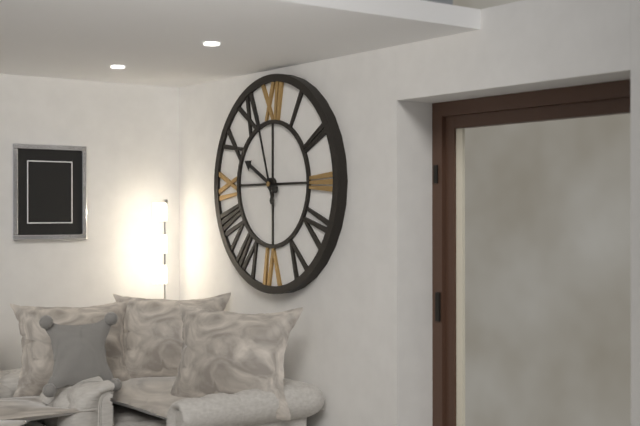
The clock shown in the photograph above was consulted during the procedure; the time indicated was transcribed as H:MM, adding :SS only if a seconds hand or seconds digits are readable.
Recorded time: 9:57
